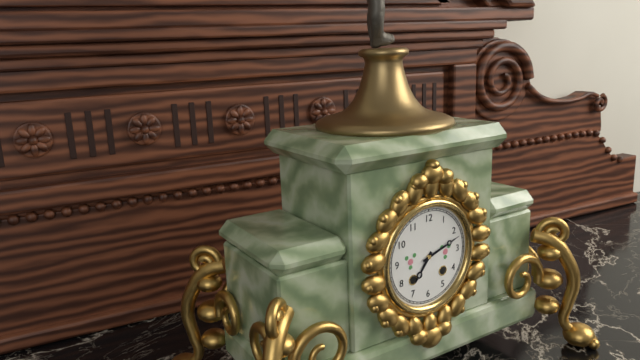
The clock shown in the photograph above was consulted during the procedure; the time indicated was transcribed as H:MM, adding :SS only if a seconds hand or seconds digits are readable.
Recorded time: 7:12
